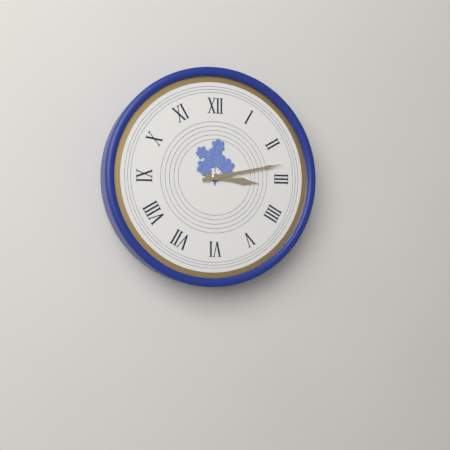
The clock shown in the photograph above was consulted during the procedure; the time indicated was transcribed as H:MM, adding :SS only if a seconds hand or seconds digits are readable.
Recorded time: 3:13
